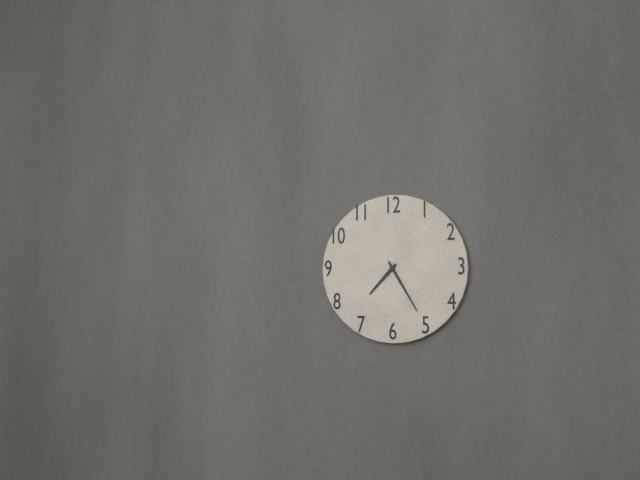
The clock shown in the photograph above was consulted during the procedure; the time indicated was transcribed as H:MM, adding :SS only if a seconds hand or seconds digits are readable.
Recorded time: 7:25
